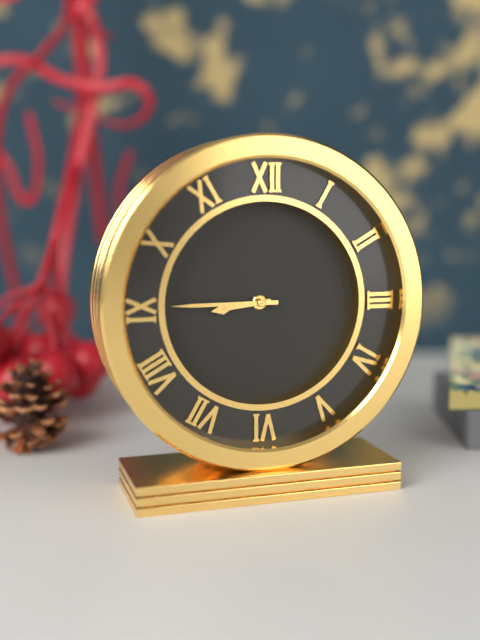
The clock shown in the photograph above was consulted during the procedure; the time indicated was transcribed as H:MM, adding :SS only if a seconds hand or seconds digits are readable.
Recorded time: 8:45
